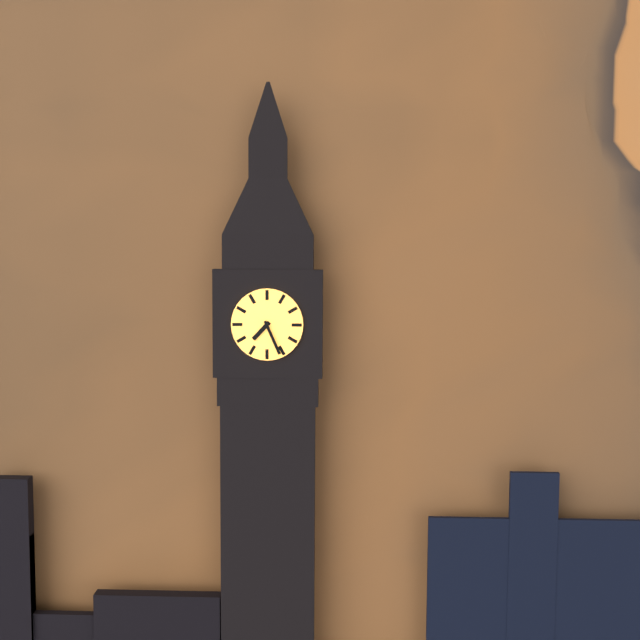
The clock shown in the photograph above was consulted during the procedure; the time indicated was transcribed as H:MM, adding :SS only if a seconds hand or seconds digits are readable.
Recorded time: 7:26
